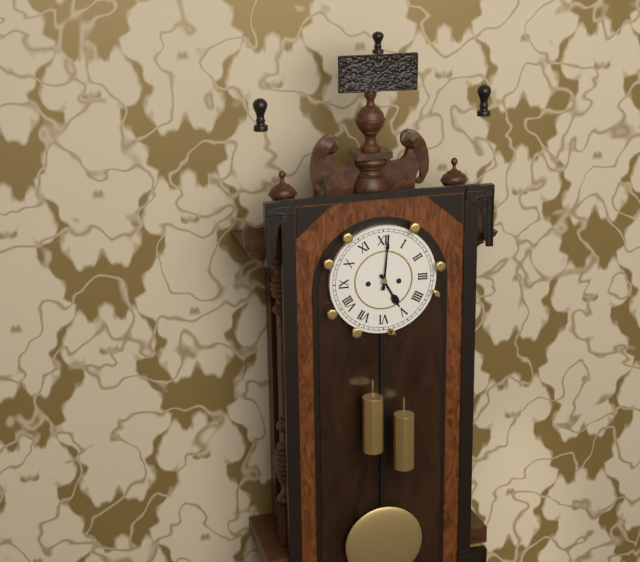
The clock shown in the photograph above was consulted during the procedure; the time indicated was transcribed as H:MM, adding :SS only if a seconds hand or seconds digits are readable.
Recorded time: 5:01
